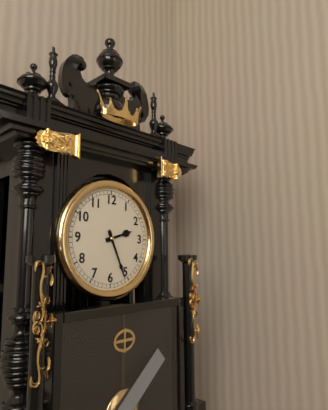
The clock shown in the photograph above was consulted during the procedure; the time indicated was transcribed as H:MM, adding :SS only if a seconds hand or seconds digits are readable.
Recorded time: 2:26
